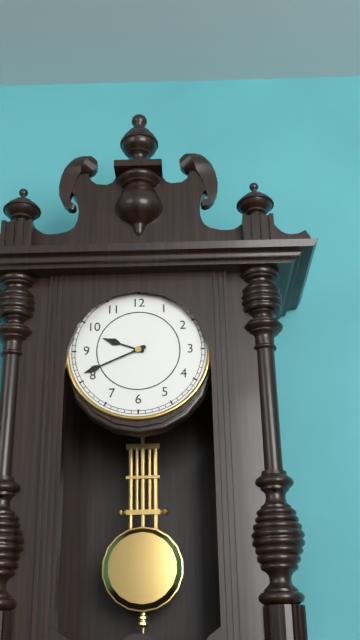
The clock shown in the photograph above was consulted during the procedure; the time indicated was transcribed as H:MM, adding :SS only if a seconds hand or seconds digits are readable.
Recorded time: 9:41
